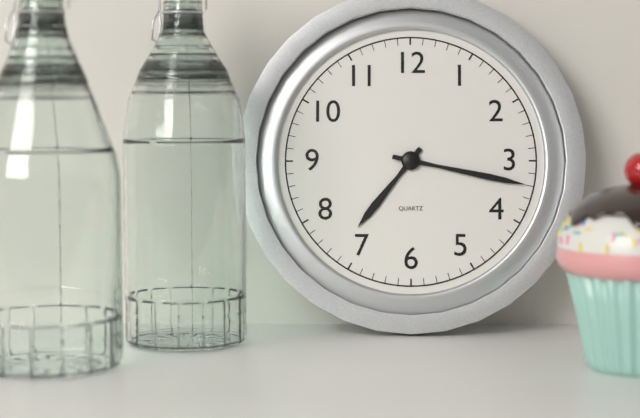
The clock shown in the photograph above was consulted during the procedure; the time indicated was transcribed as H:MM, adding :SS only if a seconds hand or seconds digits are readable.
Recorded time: 7:17
